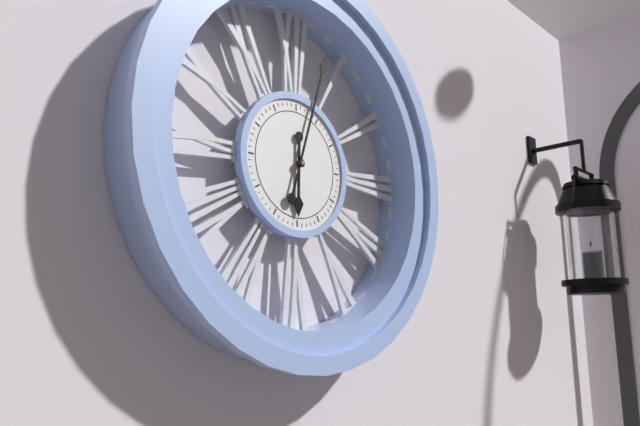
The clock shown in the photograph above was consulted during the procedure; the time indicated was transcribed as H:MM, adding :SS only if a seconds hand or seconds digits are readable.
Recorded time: 6:03
